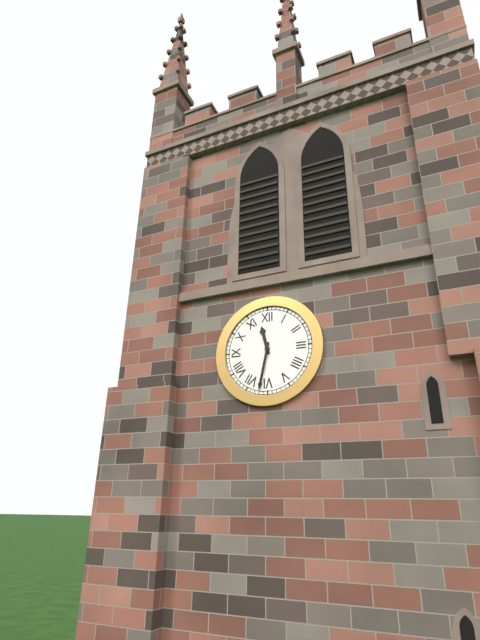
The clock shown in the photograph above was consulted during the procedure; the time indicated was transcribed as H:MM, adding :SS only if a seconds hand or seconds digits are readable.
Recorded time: 11:32
